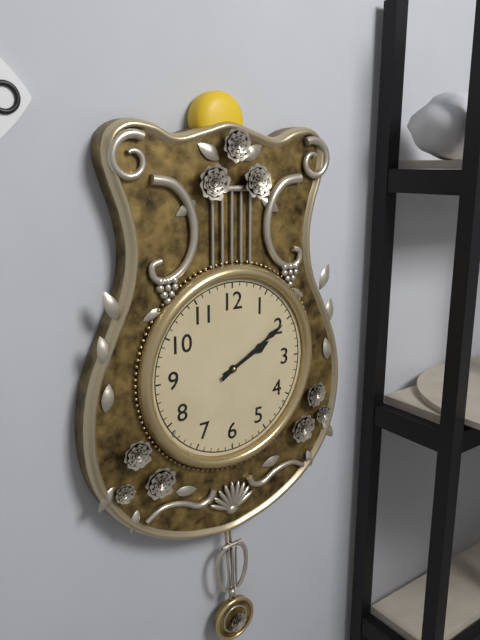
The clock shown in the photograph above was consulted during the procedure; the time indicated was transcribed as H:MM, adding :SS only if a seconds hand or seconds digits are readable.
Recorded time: 2:10
